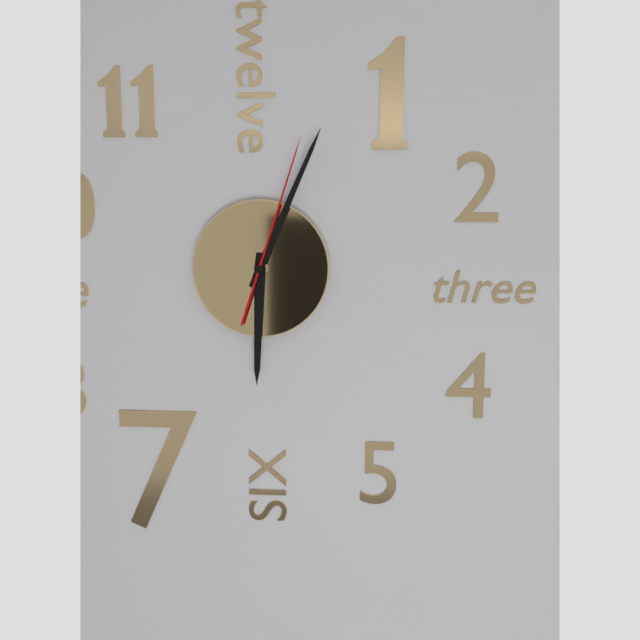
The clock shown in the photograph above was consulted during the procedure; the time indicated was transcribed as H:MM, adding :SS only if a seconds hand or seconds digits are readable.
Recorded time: 6:04:03
